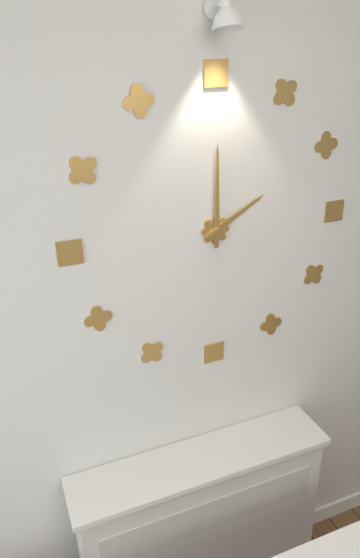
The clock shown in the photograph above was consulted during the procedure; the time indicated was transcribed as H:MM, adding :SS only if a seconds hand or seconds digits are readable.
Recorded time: 2:00
